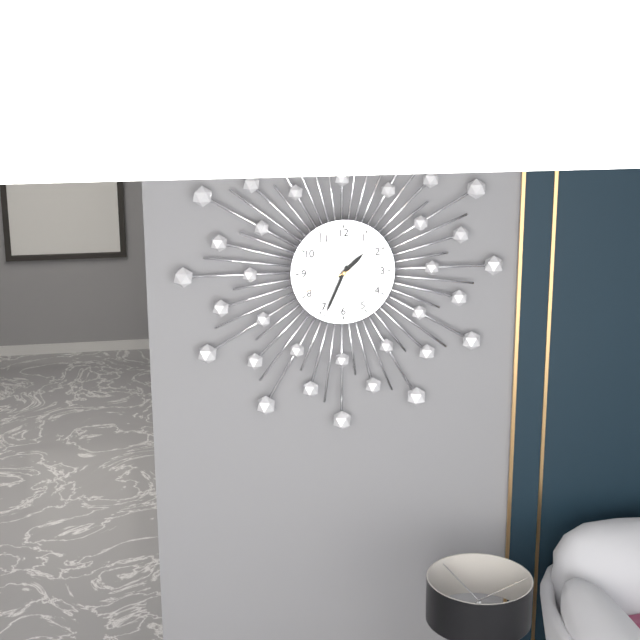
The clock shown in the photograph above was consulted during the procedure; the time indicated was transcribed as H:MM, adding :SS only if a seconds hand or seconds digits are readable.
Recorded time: 1:34:41
